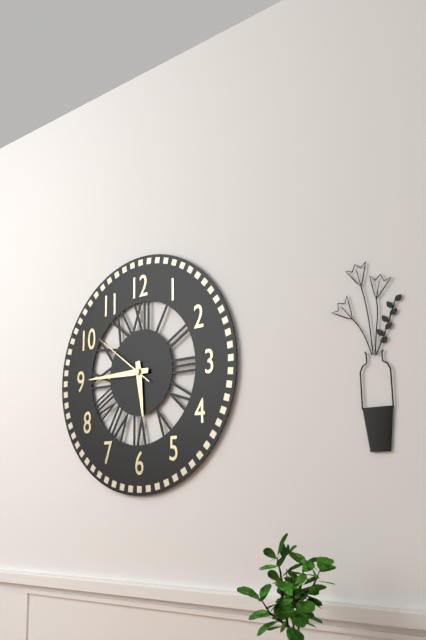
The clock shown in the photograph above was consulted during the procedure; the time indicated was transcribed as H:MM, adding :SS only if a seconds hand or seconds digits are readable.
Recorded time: 5:45:51
